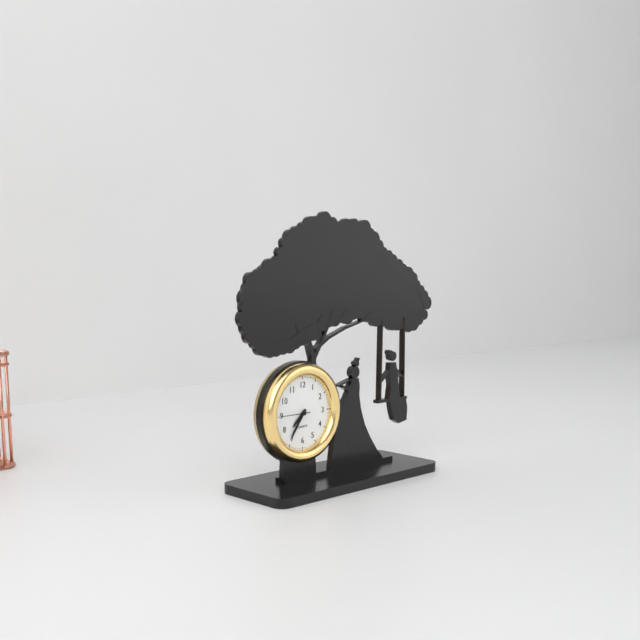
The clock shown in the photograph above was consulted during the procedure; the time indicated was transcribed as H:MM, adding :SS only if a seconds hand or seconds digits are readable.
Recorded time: 7:36
